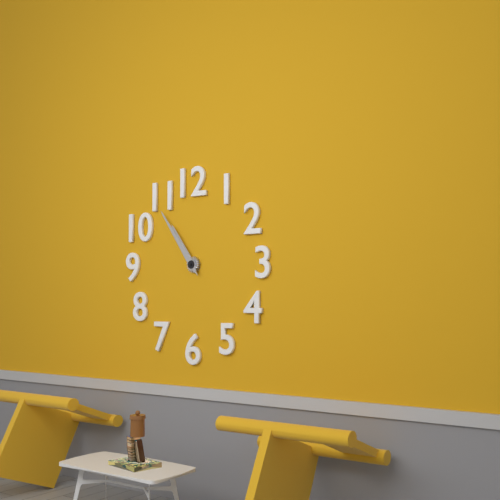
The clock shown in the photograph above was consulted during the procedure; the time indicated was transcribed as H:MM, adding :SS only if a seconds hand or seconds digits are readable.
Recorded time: 10:54
